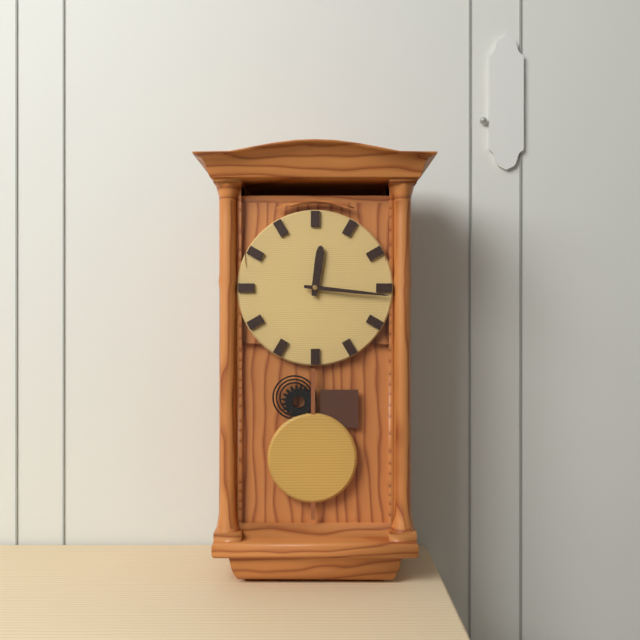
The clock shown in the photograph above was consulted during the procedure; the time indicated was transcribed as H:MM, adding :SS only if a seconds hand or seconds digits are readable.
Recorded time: 12:16
